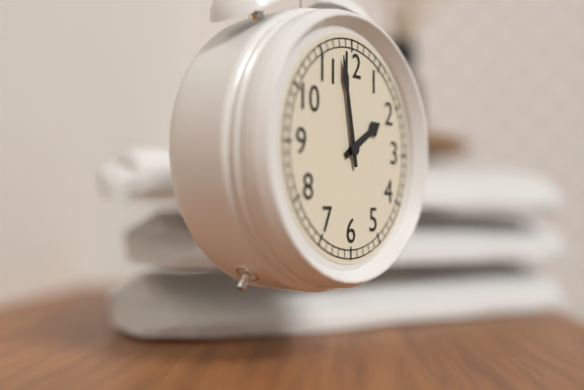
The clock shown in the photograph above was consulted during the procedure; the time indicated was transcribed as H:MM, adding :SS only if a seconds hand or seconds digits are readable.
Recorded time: 1:58
